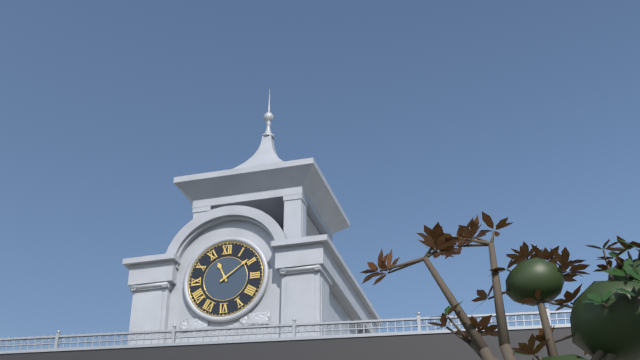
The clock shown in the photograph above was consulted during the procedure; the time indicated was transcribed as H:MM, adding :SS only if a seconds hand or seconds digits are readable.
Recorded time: 11:09
